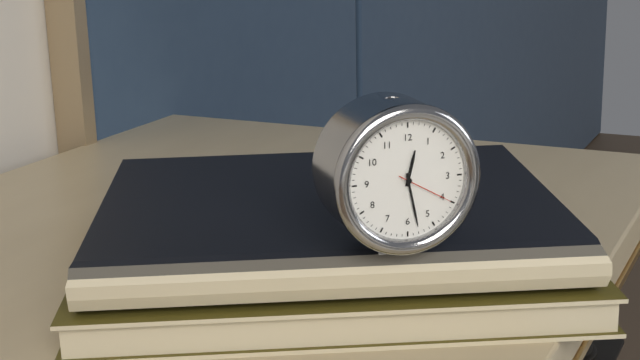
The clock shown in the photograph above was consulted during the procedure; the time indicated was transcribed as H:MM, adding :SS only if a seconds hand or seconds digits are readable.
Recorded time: 12:28:20
